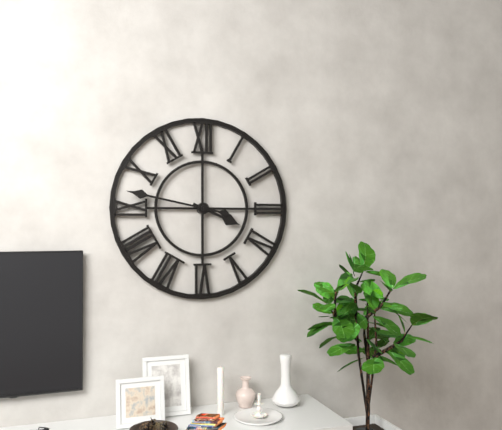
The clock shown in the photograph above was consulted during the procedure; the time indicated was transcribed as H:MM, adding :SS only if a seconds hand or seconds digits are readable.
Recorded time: 3:47
